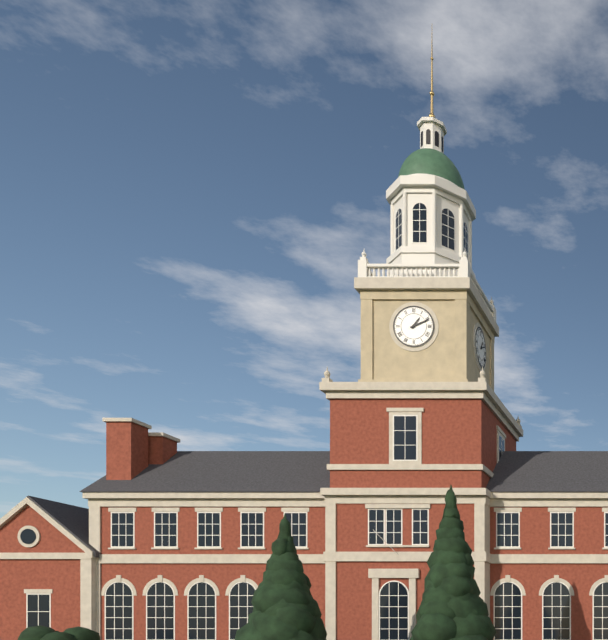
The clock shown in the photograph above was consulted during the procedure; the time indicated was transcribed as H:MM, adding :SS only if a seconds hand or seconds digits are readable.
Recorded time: 1:11
